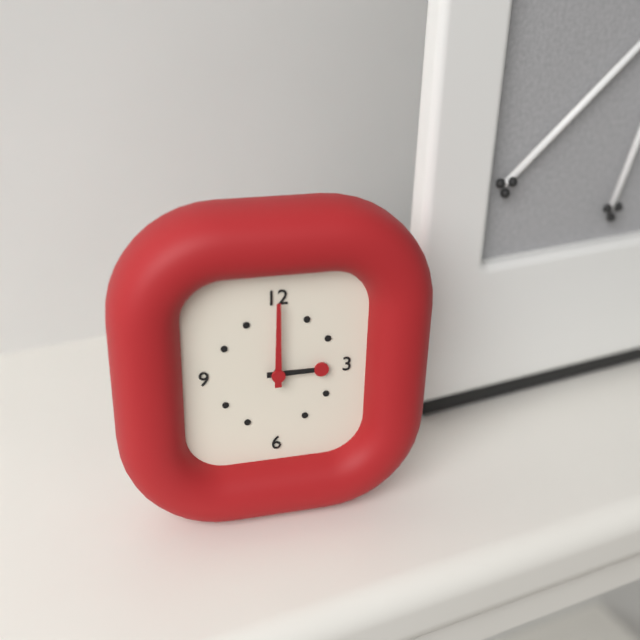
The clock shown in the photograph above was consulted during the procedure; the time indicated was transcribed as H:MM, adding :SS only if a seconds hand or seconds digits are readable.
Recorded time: 3:00
